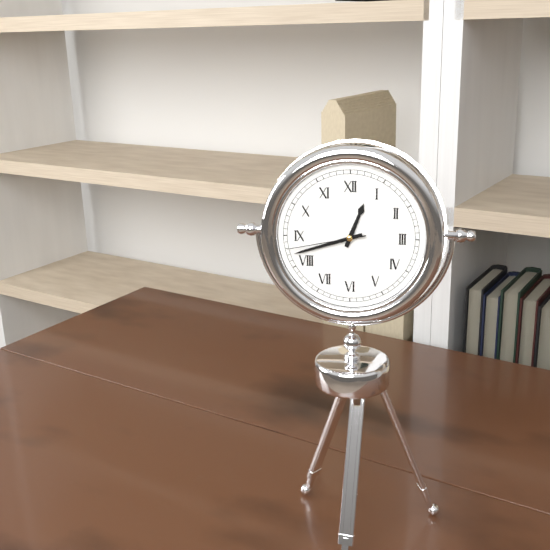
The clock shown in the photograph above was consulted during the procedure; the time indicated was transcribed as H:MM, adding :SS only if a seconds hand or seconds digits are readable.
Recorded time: 12:42:43
